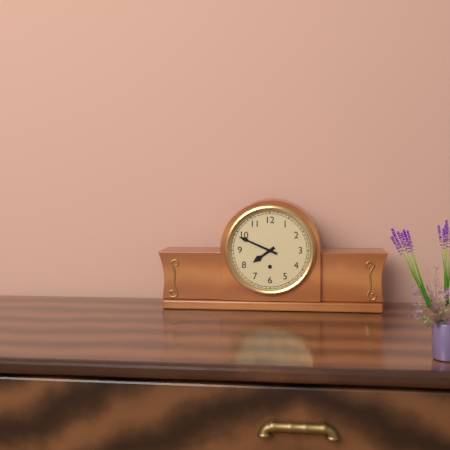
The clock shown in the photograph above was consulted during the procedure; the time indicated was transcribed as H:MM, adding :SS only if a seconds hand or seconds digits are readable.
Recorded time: 7:49
